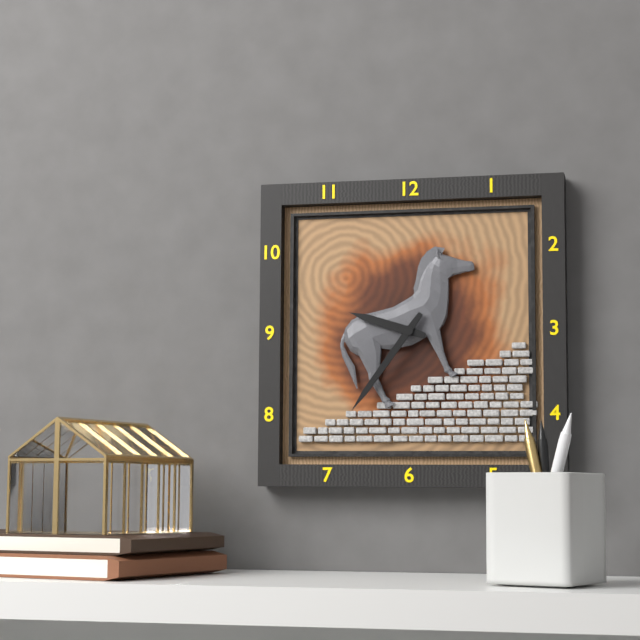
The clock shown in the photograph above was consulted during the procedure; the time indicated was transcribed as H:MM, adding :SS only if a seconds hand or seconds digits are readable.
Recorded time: 9:36
